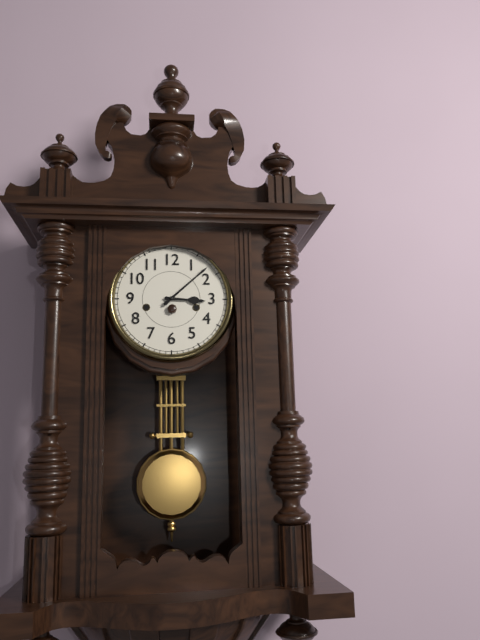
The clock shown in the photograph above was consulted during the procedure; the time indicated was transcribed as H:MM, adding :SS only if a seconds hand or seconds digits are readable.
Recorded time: 3:08
